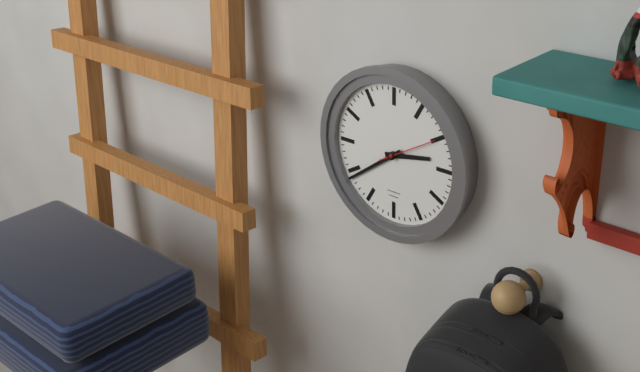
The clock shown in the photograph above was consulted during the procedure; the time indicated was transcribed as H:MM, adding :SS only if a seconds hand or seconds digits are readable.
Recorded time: 2:39:10
